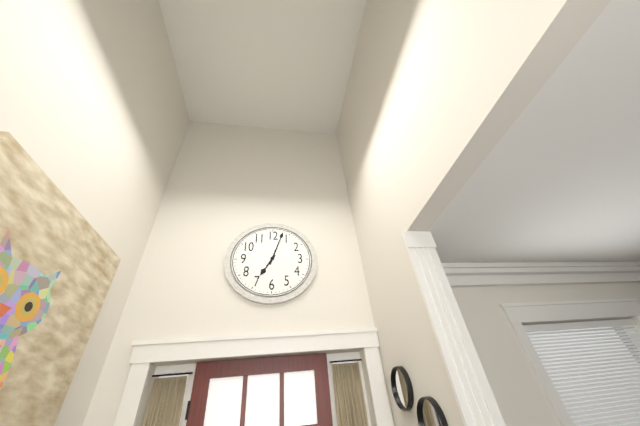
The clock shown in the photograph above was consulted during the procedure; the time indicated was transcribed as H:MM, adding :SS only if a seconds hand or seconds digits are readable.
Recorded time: 7:03
